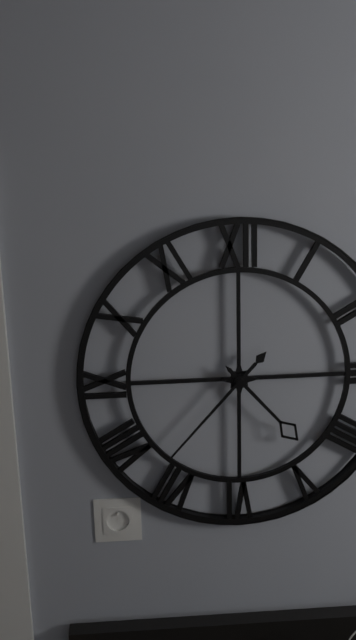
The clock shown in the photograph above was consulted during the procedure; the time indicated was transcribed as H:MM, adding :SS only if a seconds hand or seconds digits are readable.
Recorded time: 4:37
